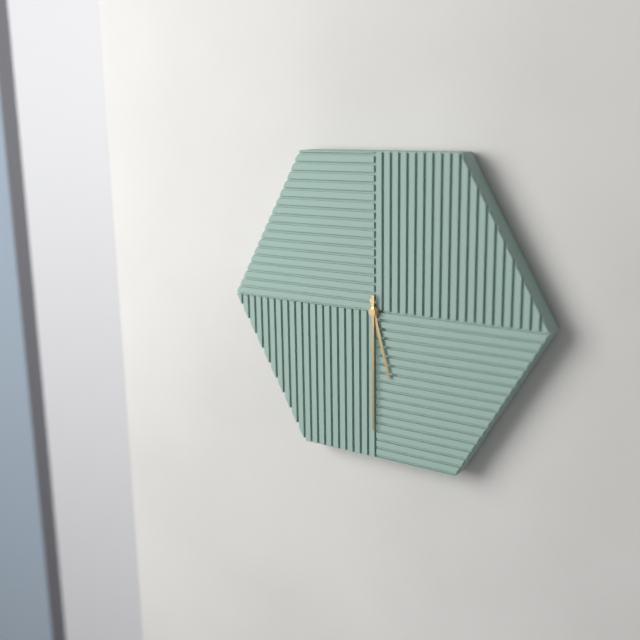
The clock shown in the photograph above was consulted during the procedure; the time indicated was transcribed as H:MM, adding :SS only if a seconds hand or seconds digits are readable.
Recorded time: 5:30
